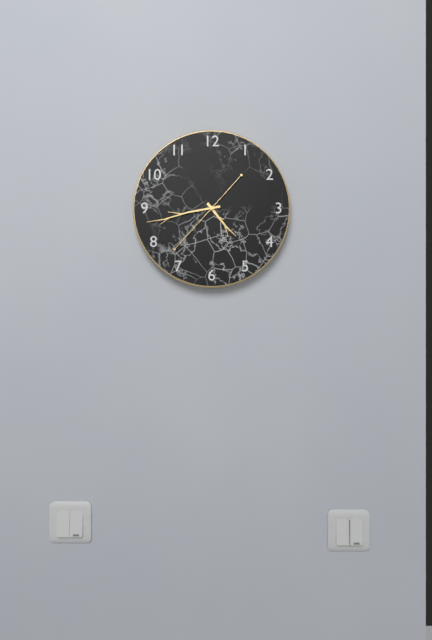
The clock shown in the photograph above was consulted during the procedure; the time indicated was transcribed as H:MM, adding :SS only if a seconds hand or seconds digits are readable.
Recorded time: 4:43:37
